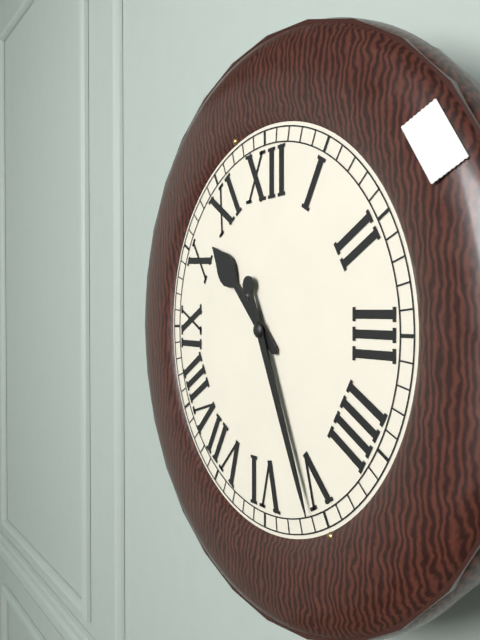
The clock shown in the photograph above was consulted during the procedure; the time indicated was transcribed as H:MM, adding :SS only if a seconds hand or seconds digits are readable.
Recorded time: 10:26
